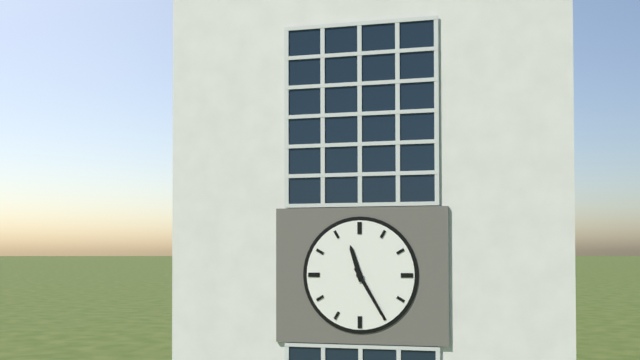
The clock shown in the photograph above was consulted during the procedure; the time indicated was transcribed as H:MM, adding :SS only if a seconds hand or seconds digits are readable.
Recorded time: 11:25
